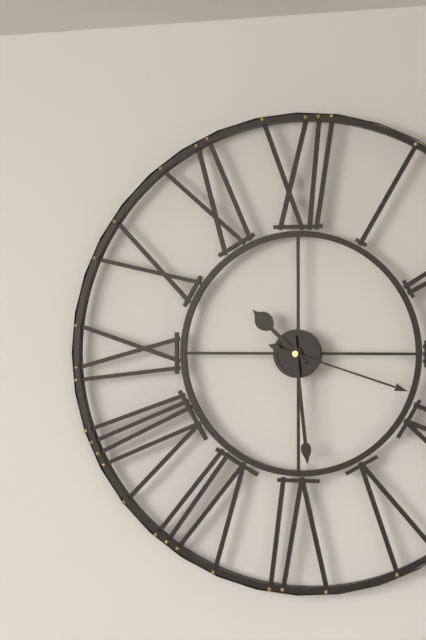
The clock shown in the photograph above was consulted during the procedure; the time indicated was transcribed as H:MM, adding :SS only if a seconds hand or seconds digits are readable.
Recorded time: 10:29:18
